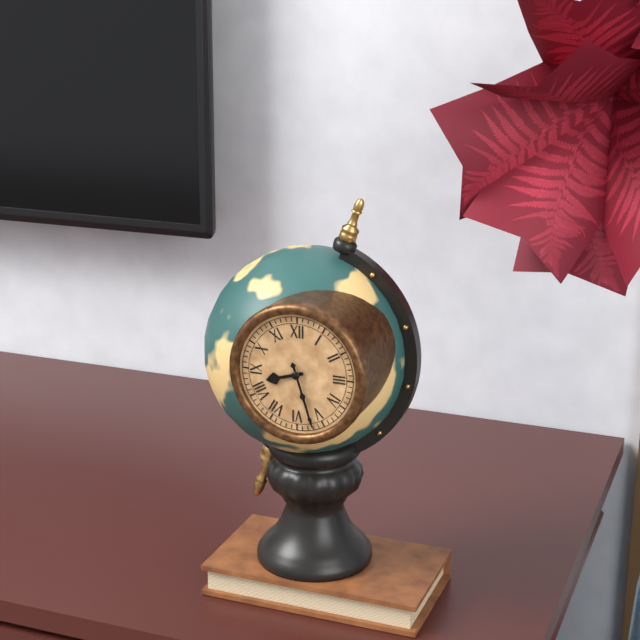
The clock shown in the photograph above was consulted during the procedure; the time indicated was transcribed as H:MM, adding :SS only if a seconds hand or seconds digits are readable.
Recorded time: 8:27
